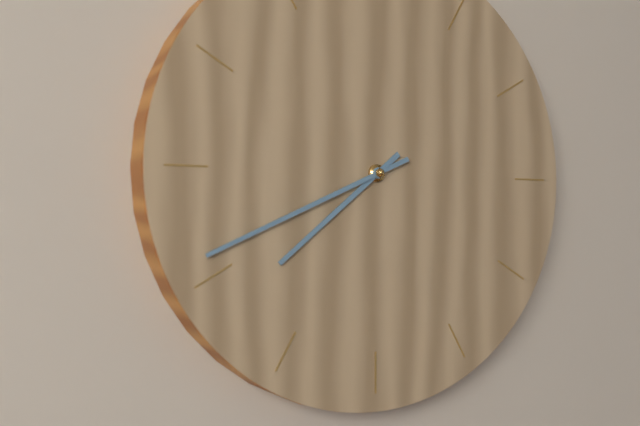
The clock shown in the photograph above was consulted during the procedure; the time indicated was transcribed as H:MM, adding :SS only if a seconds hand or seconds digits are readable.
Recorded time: 7:41
